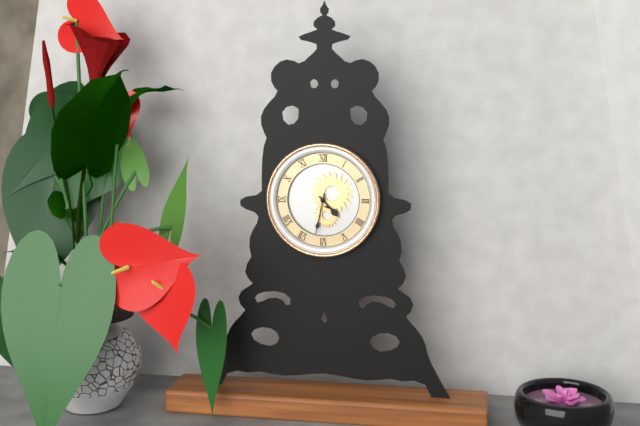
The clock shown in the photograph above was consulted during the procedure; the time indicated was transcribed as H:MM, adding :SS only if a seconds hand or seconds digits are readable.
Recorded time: 4:32
